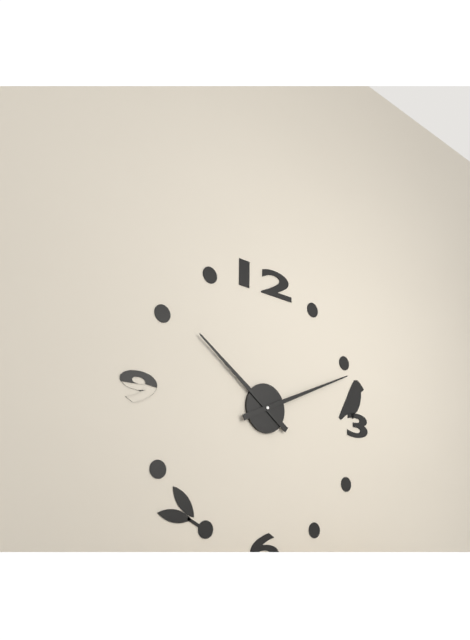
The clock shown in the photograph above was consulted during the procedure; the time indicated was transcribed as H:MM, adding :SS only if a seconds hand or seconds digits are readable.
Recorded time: 10:11
